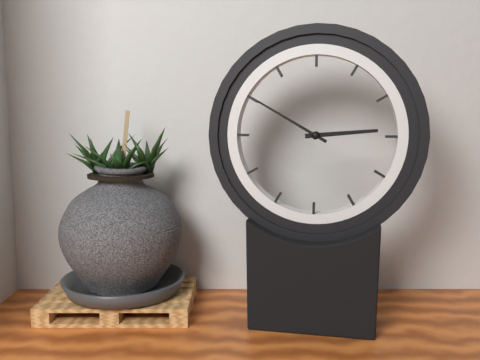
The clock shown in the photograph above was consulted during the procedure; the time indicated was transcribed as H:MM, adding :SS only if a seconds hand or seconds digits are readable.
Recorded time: 2:50
